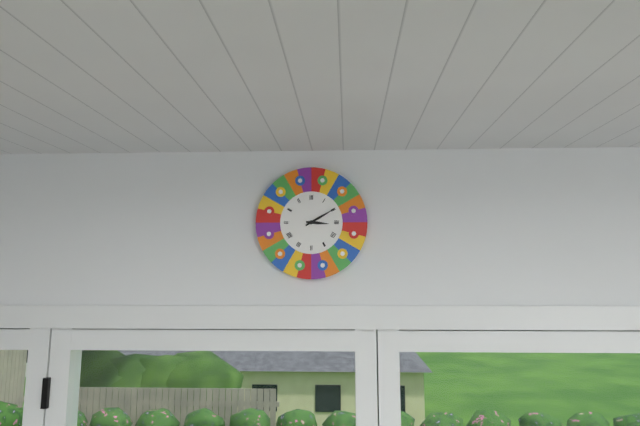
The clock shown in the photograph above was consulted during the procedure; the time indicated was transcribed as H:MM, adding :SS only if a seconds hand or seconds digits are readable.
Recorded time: 3:10
